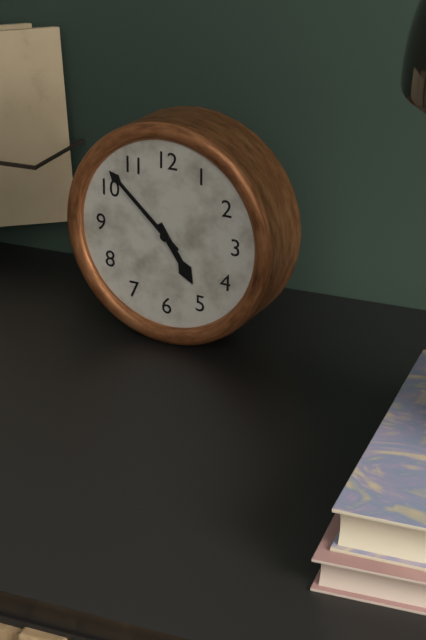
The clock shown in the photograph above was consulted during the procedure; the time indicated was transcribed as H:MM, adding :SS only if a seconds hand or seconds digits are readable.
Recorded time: 4:52
